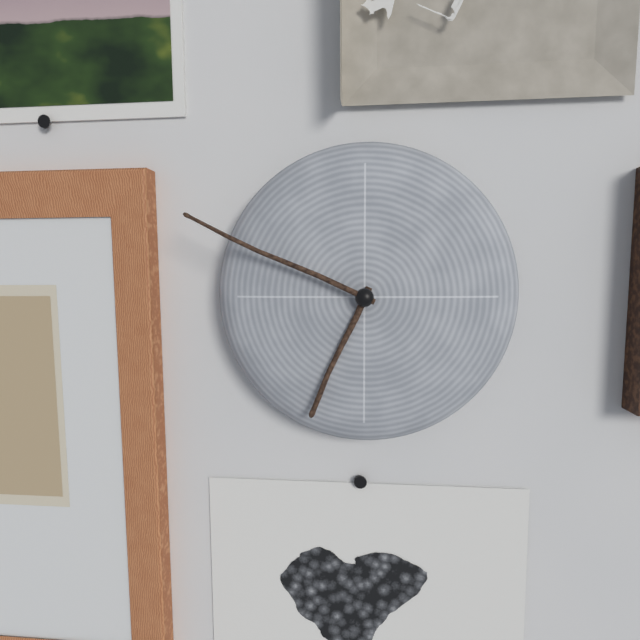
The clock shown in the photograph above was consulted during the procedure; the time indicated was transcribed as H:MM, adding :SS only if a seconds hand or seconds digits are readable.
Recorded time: 6:49
